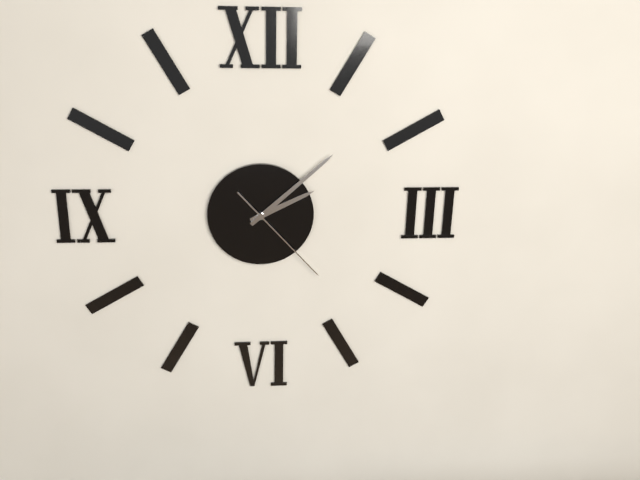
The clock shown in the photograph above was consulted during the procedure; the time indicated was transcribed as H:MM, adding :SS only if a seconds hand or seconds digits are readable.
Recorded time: 2:08:23
